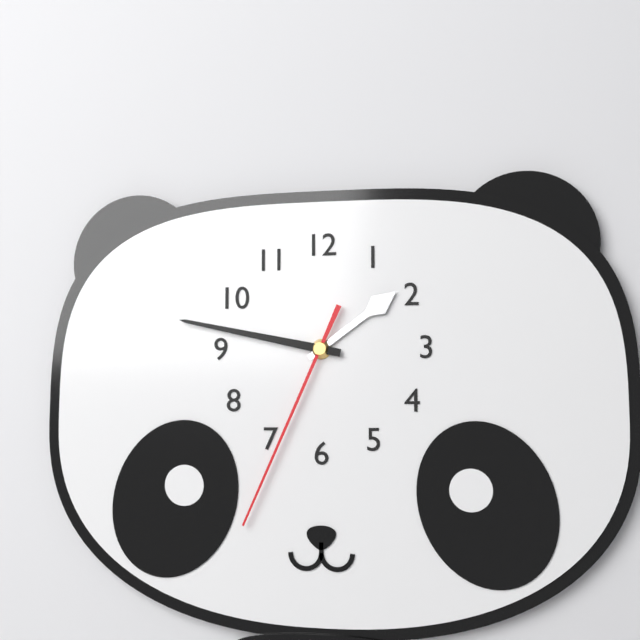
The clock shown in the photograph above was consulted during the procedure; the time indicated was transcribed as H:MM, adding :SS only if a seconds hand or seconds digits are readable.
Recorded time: 1:47:34
